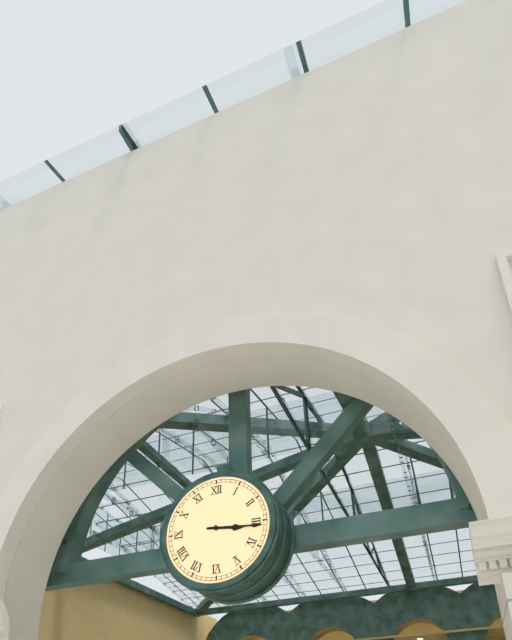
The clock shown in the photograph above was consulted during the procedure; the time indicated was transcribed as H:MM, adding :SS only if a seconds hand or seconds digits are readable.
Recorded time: 3:16
